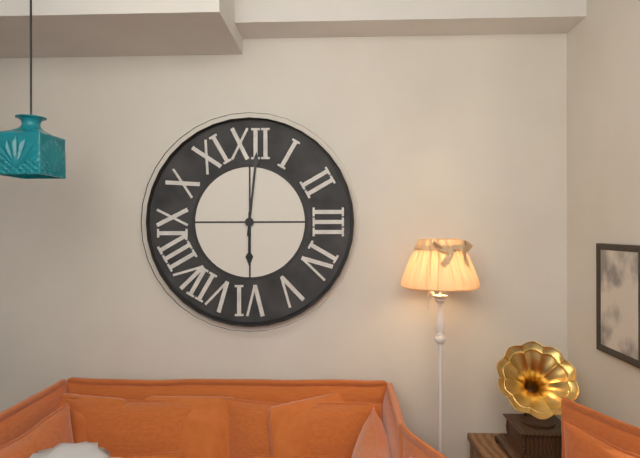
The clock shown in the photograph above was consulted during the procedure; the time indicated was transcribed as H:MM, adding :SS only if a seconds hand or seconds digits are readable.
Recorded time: 6:01
